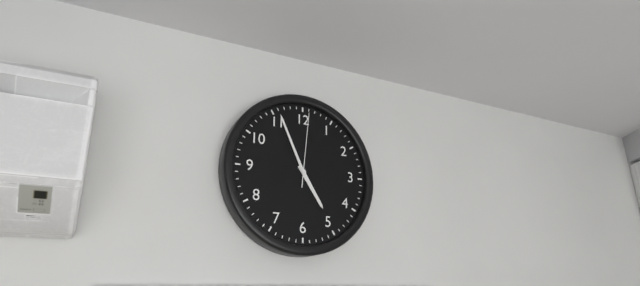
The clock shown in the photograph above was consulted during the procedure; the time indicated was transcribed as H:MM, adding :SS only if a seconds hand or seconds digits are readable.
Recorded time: 4:56:01
